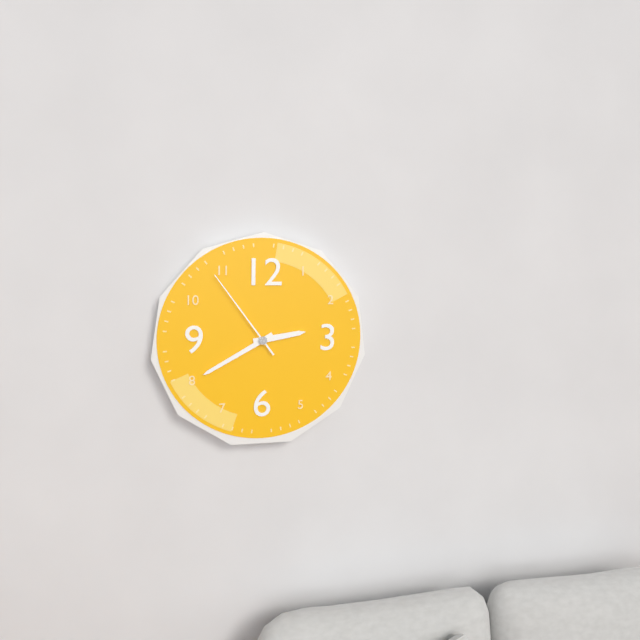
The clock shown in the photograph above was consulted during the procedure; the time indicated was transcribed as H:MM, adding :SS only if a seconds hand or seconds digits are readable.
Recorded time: 2:40:54
